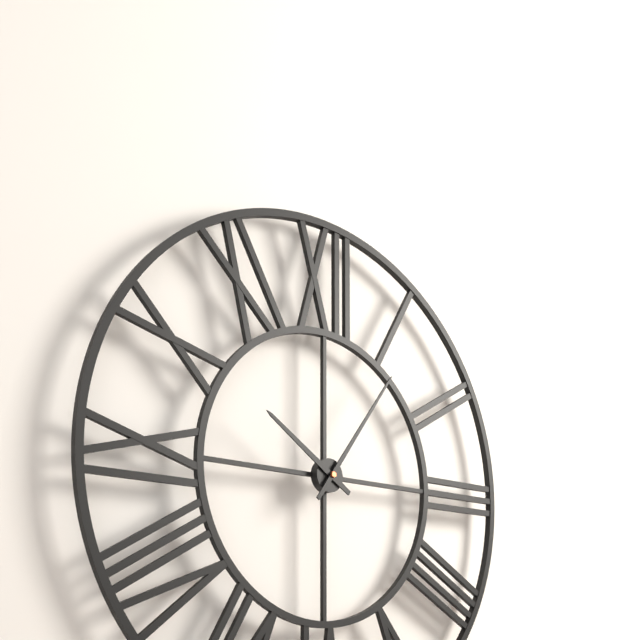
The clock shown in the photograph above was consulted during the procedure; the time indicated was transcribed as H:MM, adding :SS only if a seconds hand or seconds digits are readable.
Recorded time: 10:06
